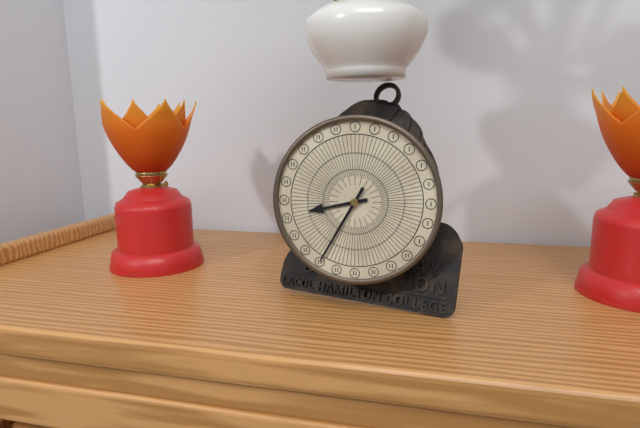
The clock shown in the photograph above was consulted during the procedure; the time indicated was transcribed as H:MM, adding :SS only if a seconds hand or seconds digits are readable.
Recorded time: 8:35
